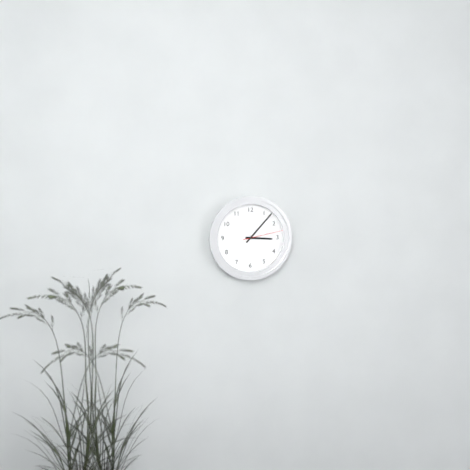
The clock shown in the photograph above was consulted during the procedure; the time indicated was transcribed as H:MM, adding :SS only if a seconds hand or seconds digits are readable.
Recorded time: 3:07
